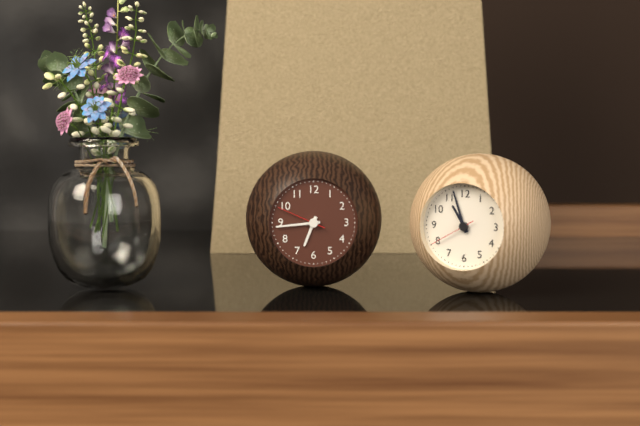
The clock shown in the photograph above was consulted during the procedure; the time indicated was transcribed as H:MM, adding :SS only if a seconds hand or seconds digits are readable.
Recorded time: 6:44
